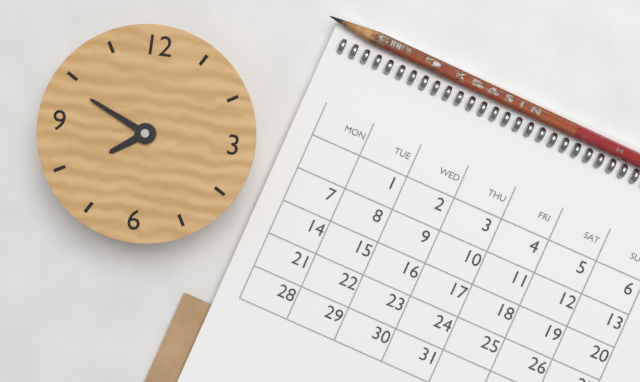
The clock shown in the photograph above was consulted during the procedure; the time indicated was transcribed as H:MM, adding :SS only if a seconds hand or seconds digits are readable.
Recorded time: 7:49
